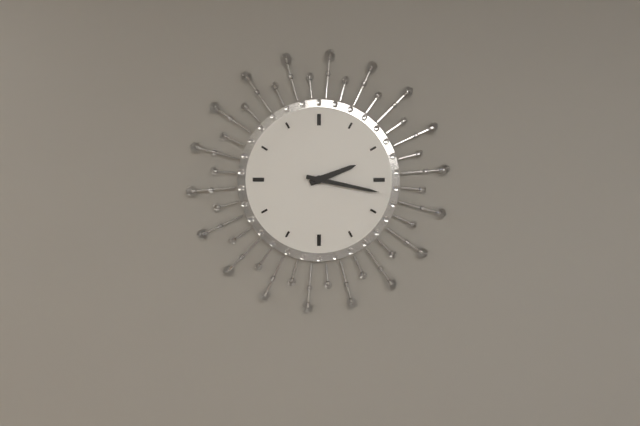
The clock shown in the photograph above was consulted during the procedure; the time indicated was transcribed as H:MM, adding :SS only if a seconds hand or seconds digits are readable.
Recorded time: 2:17
